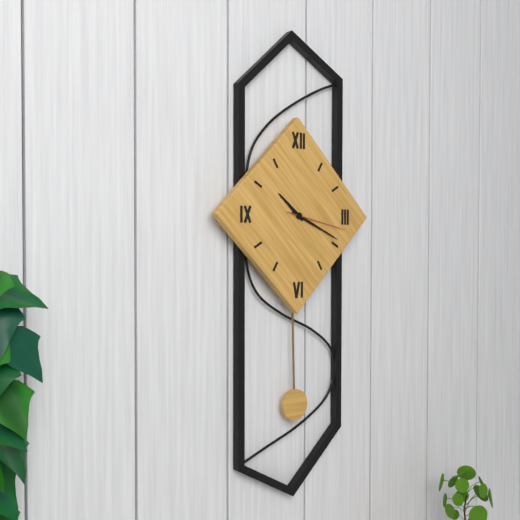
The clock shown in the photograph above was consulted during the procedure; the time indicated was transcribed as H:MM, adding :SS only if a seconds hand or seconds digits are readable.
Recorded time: 10:19:17
